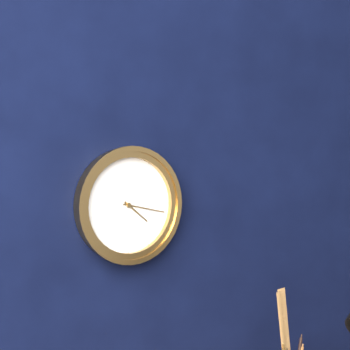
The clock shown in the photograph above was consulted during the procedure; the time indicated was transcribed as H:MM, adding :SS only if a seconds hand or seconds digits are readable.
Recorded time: 4:17
